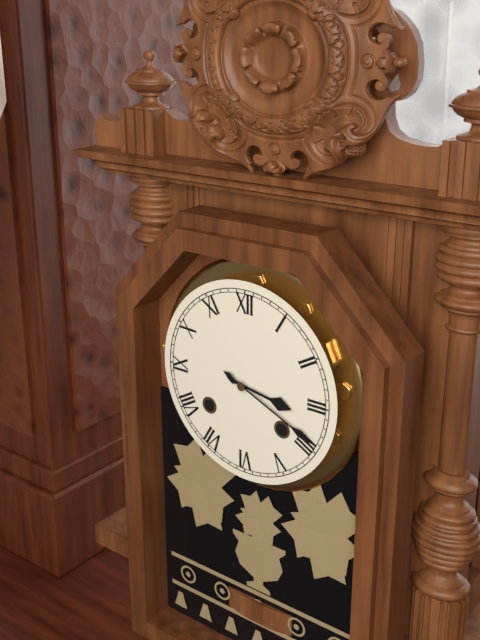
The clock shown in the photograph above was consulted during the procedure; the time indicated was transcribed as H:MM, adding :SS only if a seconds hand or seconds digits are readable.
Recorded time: 3:19
